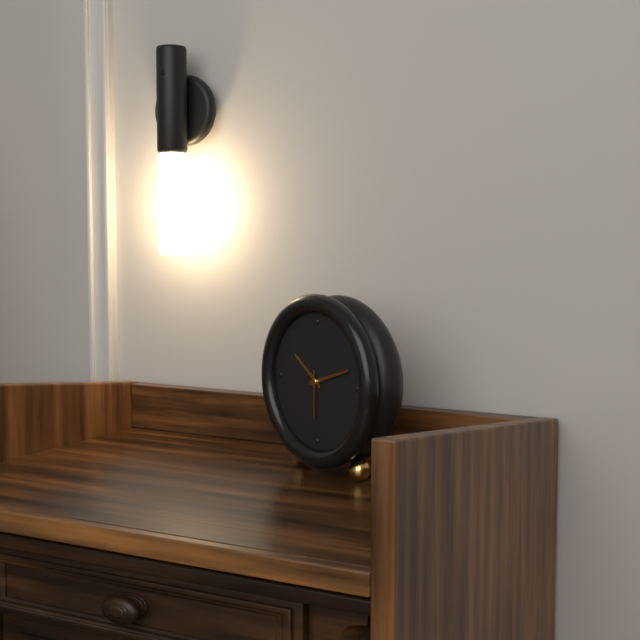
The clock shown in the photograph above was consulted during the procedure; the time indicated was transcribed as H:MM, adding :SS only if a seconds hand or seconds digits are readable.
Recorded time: 10:12
